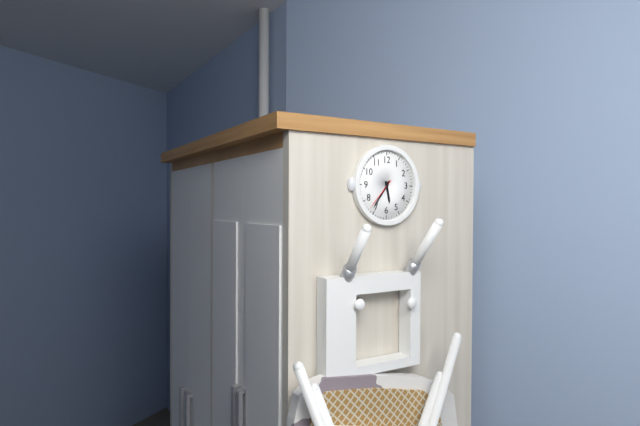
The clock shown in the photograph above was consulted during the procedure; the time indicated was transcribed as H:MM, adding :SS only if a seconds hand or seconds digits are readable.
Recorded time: 5:36
